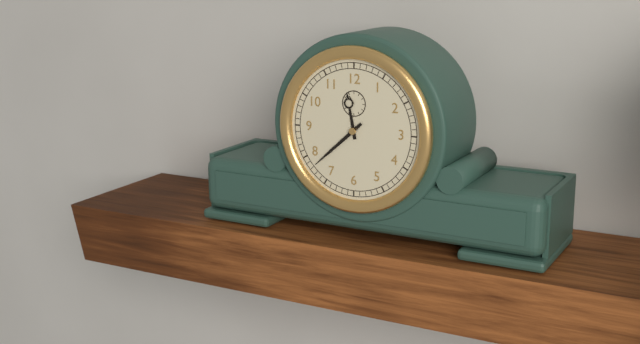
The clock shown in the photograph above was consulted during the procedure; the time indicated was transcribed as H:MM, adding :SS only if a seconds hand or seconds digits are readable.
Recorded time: 11:38
